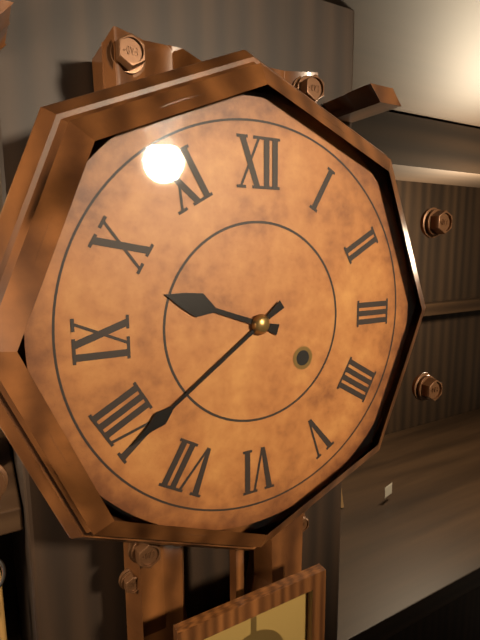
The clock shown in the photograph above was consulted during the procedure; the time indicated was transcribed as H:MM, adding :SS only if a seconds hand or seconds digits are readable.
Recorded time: 9:39
